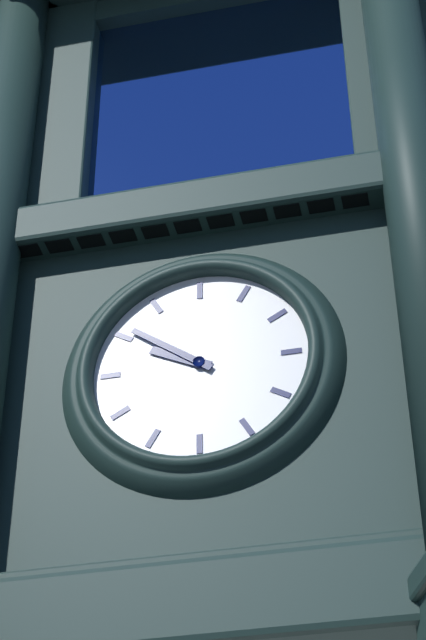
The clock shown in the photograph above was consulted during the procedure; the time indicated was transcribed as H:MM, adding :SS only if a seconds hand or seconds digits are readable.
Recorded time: 9:51
